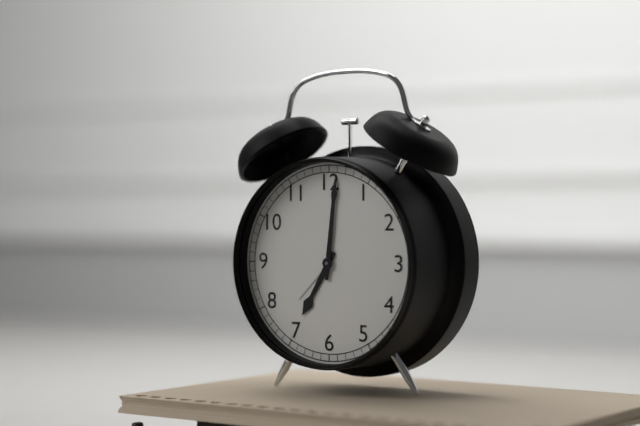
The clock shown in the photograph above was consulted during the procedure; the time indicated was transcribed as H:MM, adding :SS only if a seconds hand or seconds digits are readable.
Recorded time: 7:01
